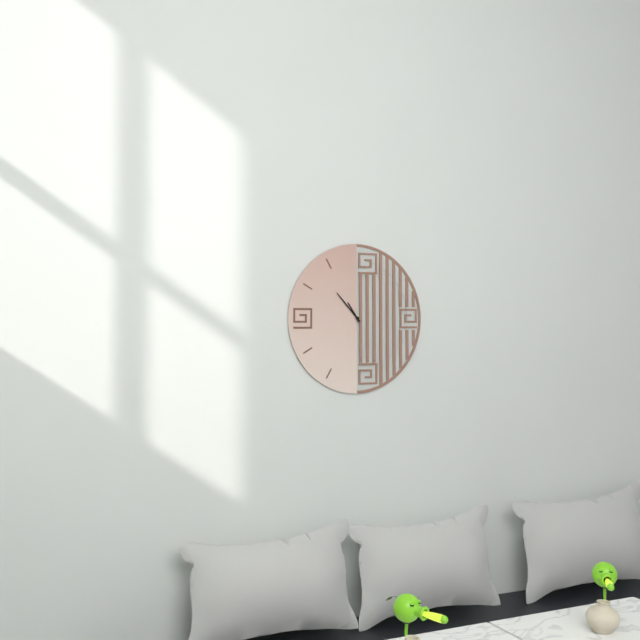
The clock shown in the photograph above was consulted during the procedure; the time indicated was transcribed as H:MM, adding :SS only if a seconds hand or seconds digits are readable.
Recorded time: 10:53
